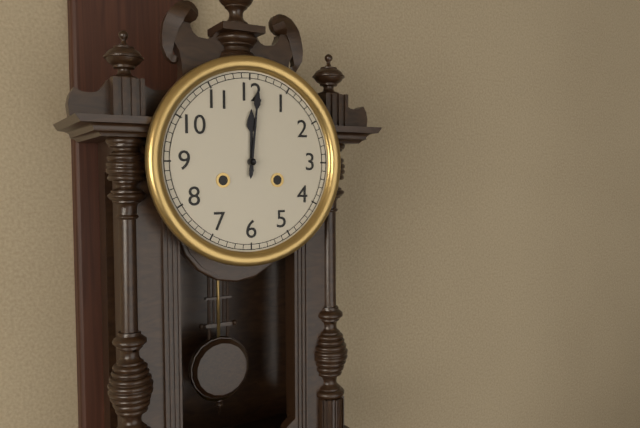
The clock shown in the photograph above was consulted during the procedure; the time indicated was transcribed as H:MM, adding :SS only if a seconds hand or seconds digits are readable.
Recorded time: 12:01
